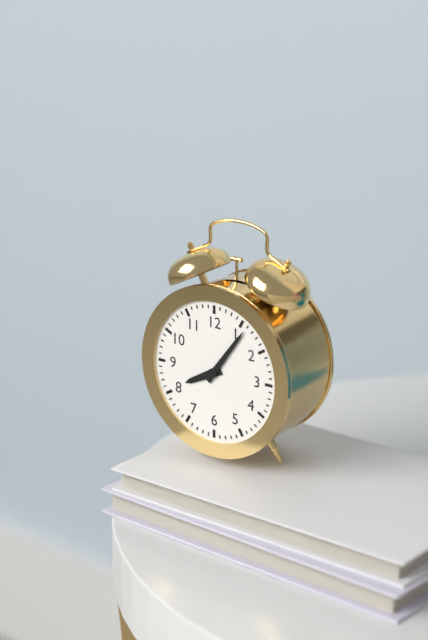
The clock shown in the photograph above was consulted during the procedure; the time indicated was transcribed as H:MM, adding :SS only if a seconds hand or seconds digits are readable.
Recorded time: 8:06
